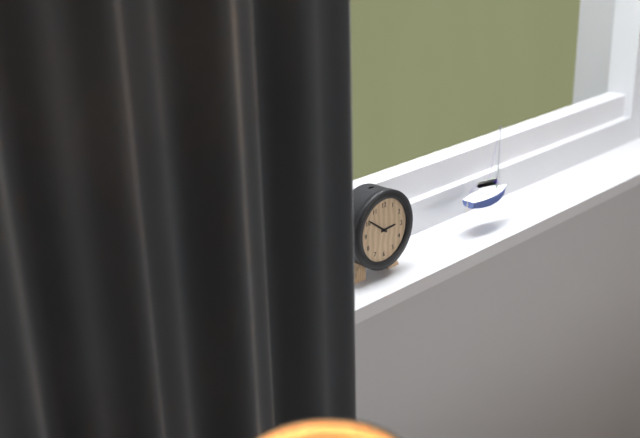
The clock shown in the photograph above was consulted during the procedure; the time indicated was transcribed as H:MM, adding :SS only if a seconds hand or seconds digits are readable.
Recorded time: 2:51
